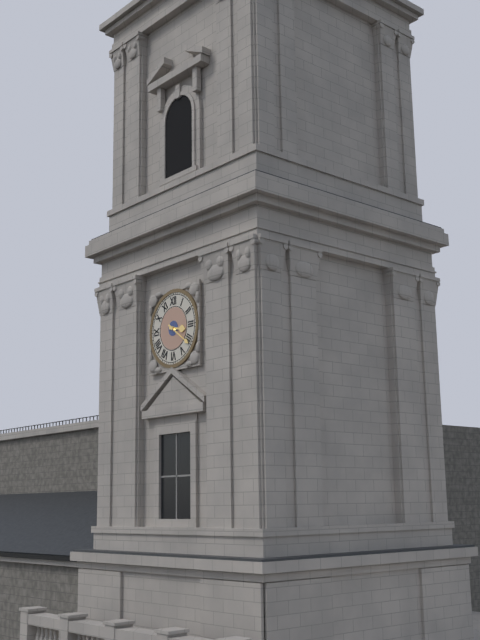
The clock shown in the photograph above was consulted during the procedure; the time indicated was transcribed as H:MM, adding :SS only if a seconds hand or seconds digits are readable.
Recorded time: 3:21
